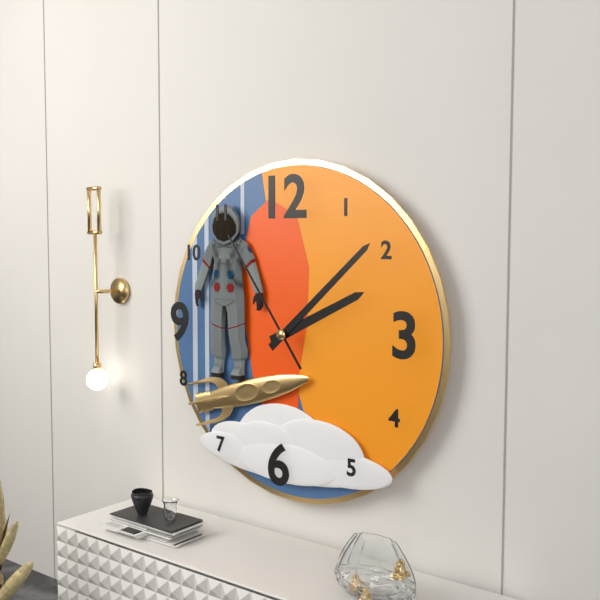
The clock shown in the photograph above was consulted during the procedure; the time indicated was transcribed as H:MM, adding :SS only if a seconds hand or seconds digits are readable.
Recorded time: 2:08:54
